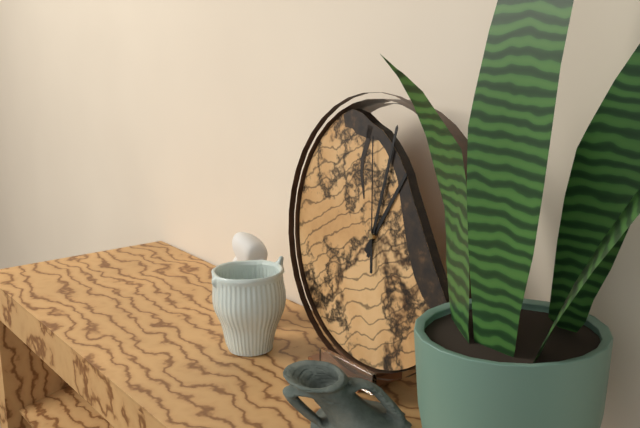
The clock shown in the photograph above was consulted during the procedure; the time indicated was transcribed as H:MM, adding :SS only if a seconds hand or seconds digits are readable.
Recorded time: 1:02:59
